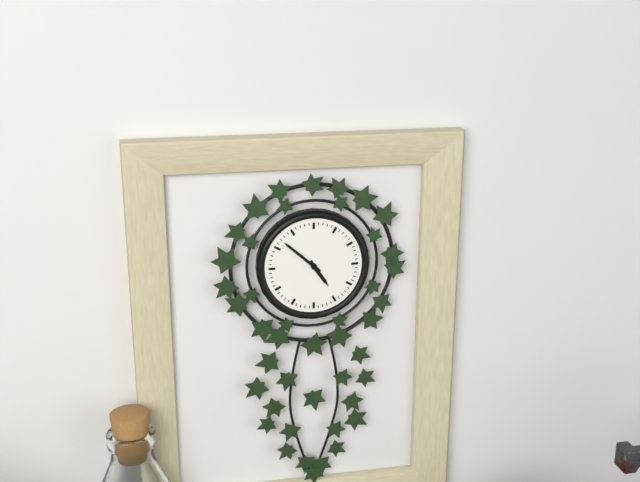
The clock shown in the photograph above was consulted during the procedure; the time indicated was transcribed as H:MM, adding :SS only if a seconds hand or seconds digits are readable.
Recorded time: 4:52
